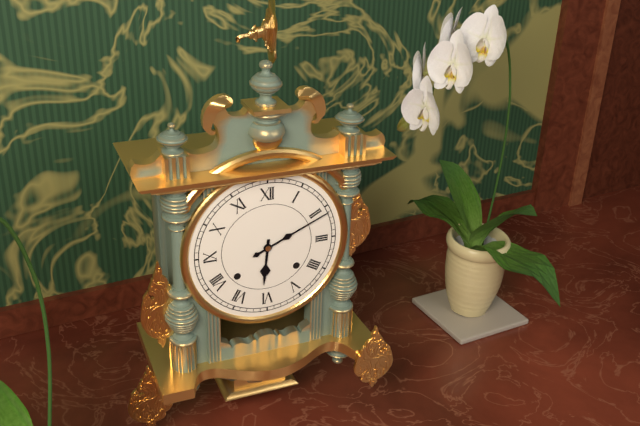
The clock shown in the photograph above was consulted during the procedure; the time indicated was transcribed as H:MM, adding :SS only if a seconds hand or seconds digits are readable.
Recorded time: 6:11
